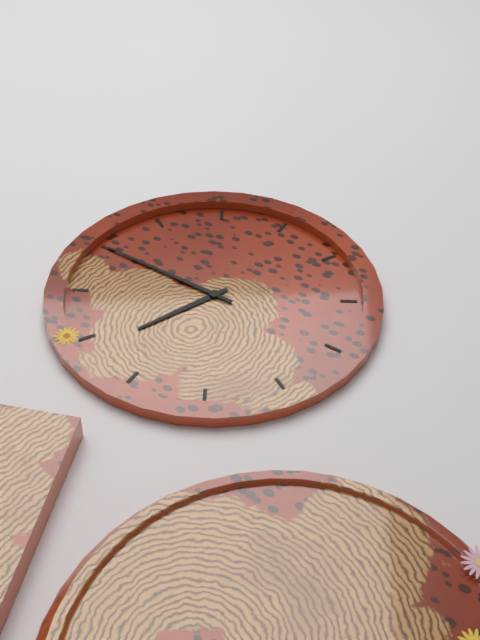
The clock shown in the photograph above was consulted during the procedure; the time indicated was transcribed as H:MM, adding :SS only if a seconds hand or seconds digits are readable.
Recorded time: 6:45
